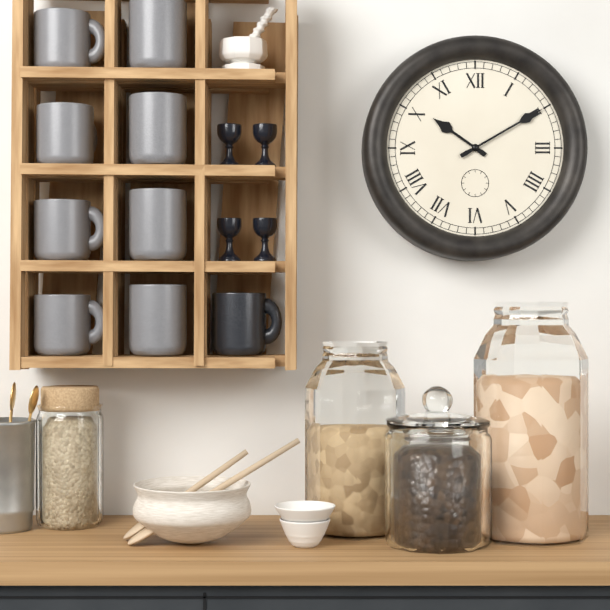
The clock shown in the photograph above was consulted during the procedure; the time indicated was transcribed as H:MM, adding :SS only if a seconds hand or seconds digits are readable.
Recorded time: 10:10
